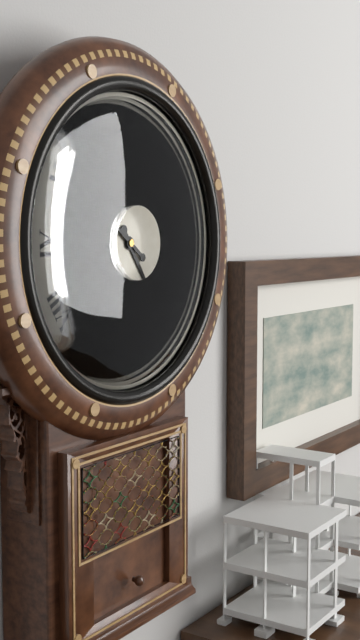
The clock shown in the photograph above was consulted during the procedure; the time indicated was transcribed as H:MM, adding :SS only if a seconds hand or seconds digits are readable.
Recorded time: 4:51
